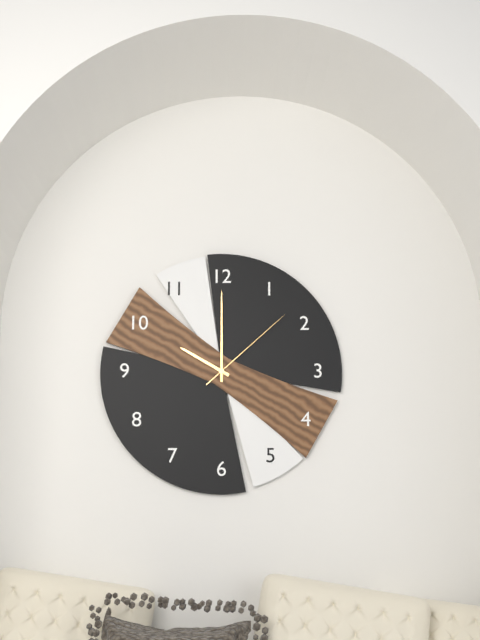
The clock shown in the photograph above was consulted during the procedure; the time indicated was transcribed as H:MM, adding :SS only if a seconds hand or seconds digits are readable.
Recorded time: 10:00:08
